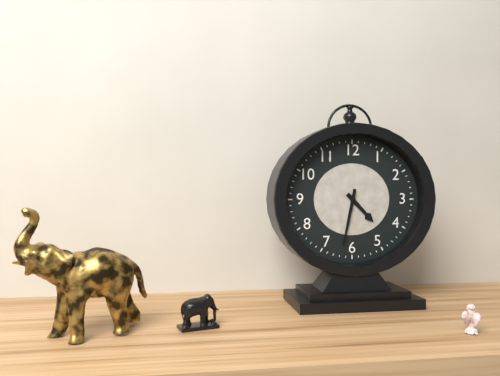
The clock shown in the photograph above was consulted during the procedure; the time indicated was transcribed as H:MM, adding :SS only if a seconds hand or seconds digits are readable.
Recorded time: 4:32
